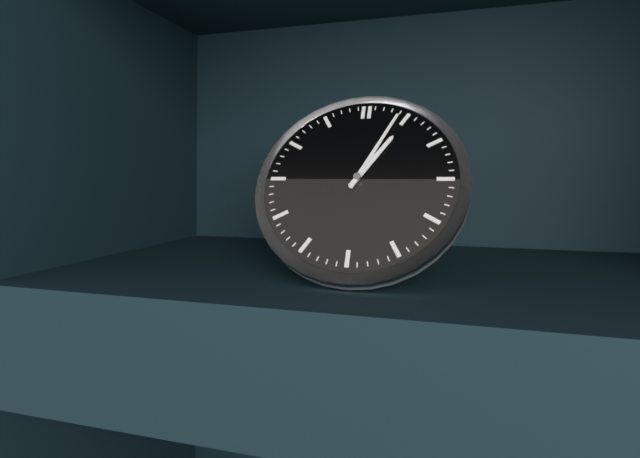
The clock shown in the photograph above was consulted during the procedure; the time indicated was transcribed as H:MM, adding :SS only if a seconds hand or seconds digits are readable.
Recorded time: 1:04
